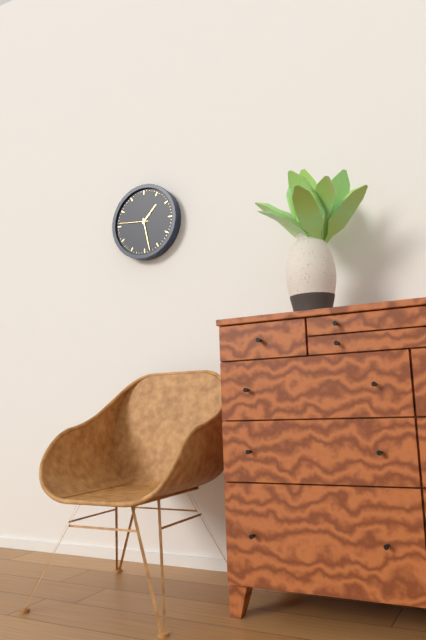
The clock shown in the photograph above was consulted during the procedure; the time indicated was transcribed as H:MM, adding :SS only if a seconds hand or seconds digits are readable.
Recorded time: 1:28
